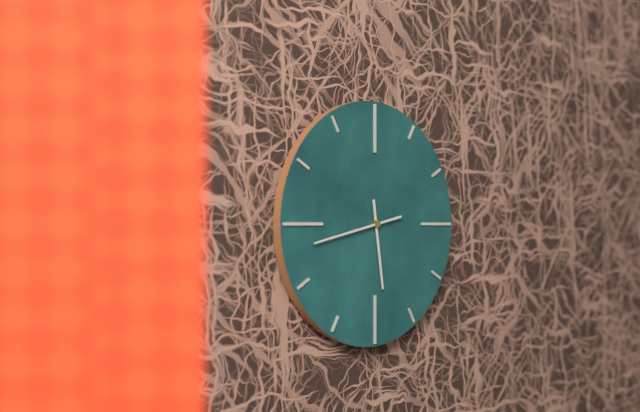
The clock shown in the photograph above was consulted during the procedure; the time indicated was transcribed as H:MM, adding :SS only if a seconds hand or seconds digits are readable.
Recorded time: 5:43
